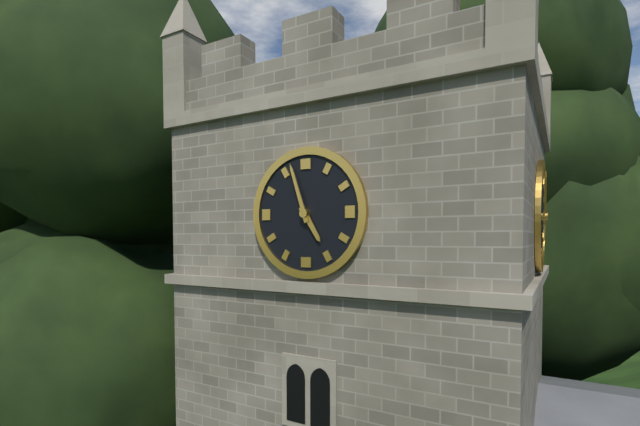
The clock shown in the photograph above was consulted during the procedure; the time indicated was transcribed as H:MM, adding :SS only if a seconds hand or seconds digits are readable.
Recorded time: 4:57
